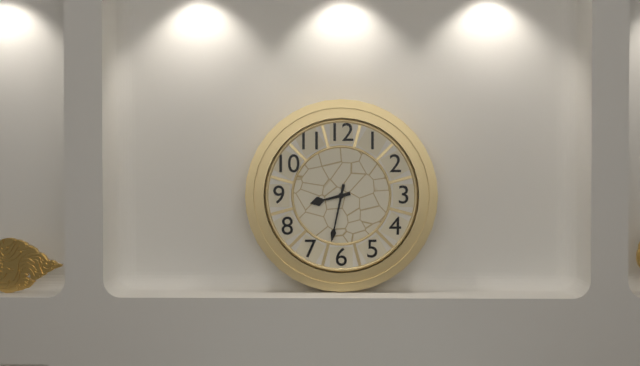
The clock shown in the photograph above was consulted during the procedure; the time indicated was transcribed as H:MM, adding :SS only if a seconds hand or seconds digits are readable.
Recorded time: 8:32
